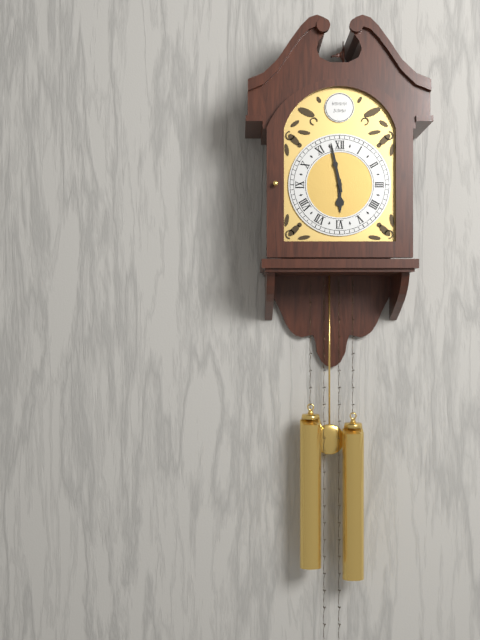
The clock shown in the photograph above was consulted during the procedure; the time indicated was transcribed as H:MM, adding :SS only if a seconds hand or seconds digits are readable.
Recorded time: 5:58
